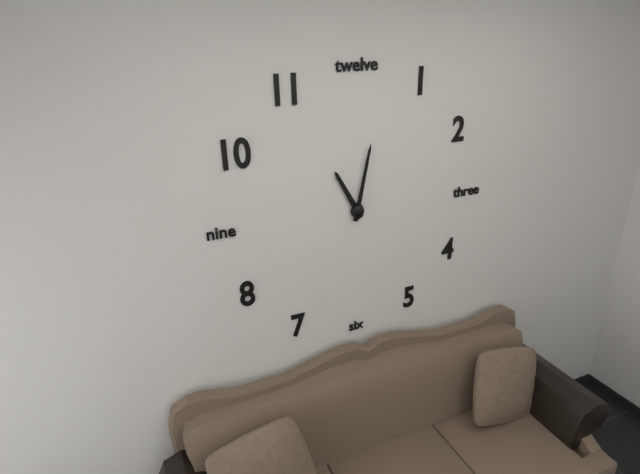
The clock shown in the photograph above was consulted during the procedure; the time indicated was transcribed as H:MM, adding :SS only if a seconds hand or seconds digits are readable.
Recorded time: 11:02
